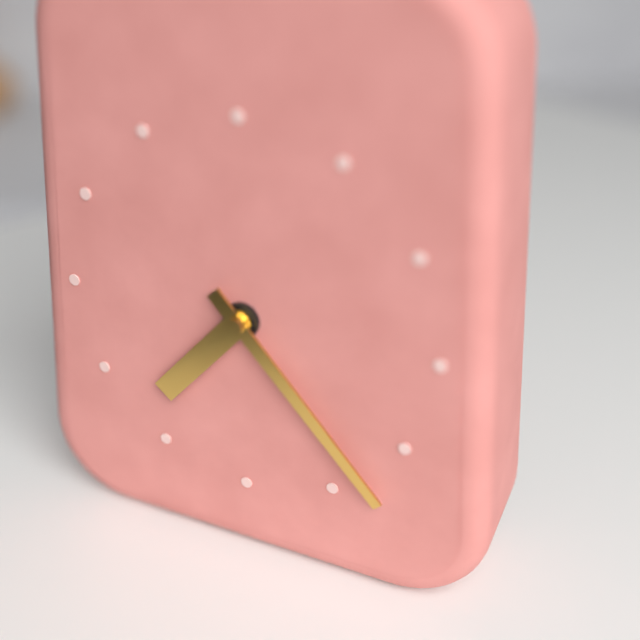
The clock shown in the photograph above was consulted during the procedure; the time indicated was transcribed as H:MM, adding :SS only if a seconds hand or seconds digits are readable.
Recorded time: 7:23
